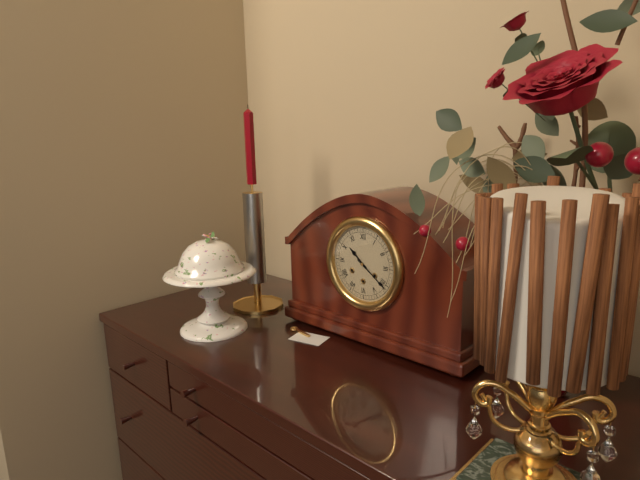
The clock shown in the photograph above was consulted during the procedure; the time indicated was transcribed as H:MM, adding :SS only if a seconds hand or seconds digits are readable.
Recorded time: 10:21
